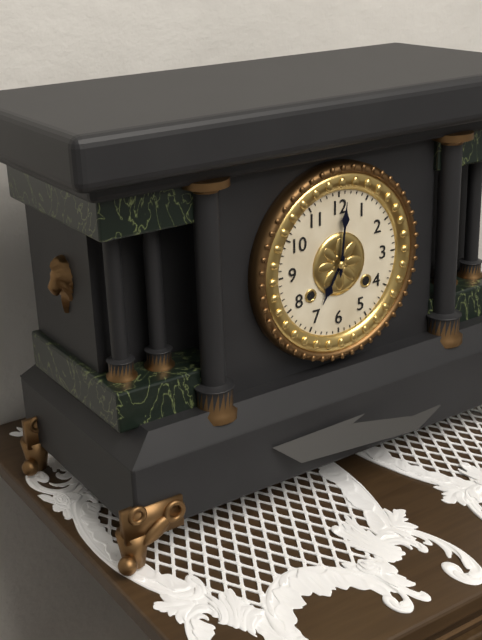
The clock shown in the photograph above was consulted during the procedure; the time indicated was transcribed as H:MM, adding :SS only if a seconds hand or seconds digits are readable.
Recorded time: 7:01
